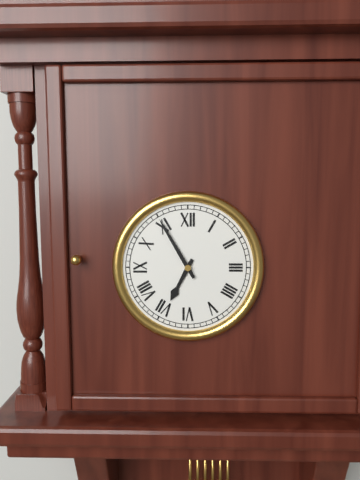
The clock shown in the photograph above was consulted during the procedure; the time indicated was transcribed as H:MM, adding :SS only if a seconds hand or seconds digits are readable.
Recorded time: 6:55
